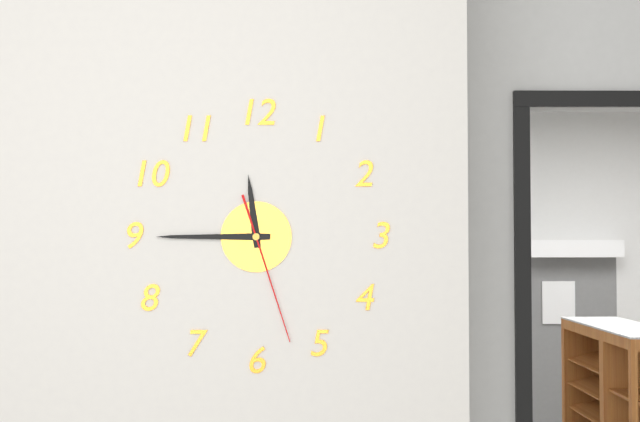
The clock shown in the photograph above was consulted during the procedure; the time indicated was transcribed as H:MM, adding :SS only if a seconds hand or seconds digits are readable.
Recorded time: 11:45:27
